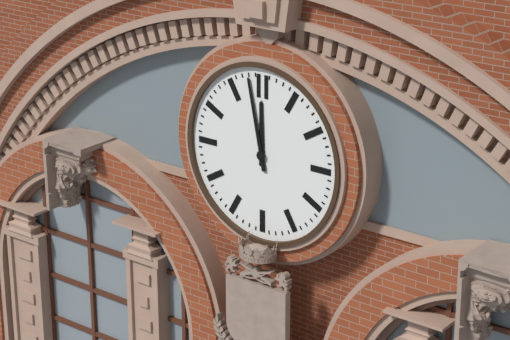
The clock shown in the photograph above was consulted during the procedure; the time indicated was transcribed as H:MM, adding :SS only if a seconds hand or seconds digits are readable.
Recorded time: 11:58
